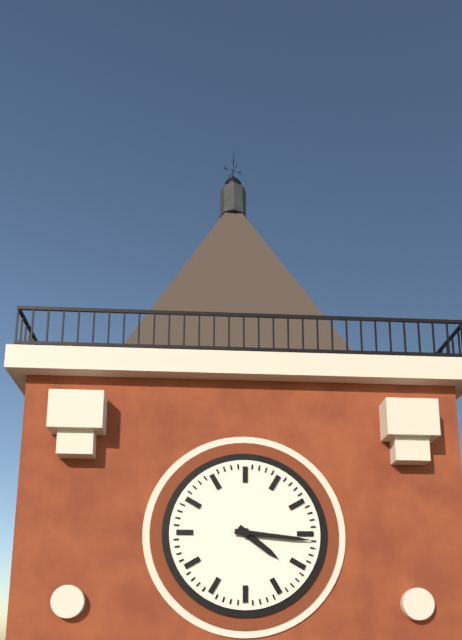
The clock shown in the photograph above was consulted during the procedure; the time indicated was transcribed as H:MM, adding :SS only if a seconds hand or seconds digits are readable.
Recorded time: 4:16
